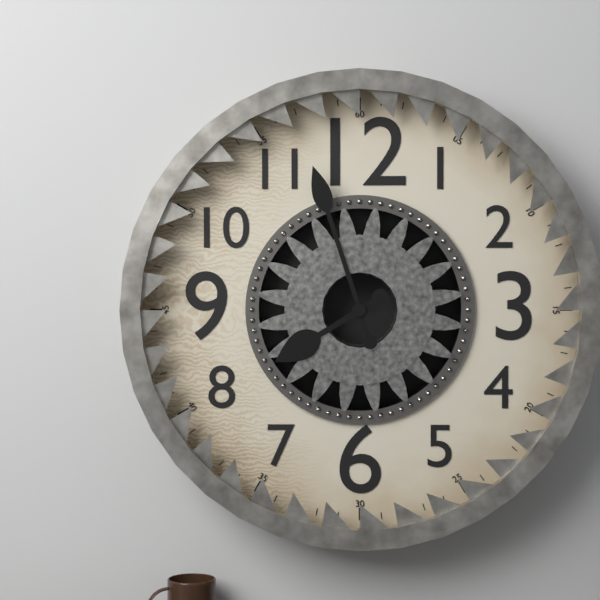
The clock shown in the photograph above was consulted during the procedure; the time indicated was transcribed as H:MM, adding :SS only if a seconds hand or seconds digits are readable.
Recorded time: 7:57
